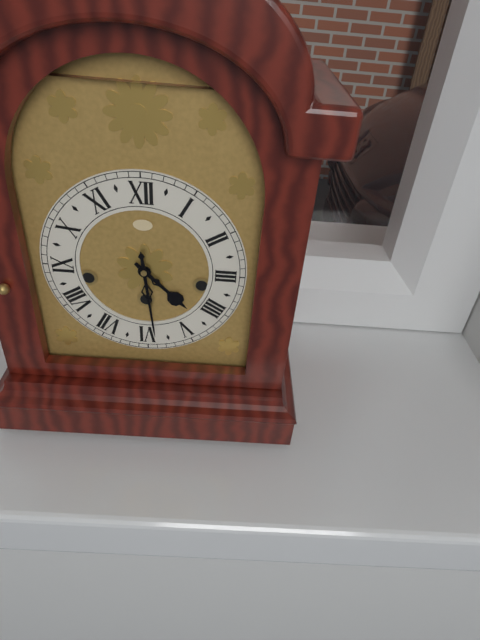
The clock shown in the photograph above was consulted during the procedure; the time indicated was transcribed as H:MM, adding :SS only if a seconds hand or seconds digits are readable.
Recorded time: 4:29
